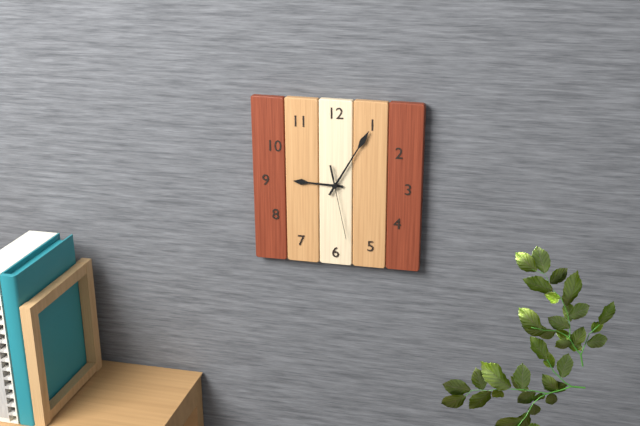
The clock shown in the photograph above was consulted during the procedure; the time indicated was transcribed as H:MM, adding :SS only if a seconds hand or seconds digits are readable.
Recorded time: 9:05:28
